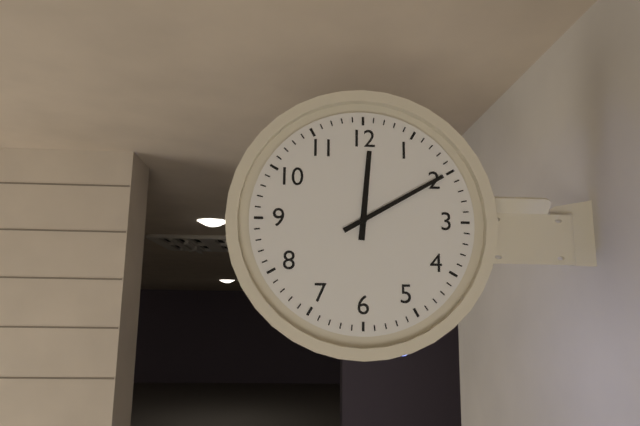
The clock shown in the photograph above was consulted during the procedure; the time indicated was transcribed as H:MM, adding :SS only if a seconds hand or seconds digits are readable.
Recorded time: 12:10
